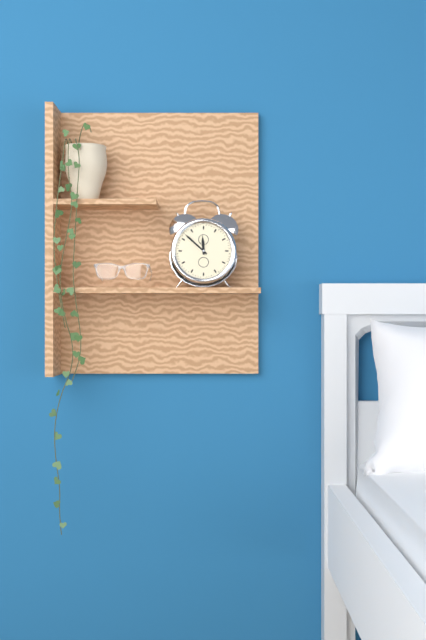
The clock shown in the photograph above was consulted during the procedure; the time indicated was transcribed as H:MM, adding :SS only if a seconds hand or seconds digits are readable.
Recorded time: 11:52
